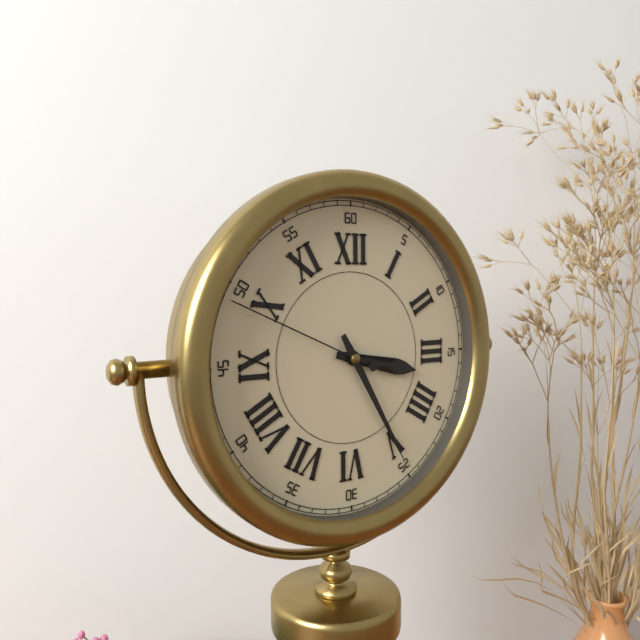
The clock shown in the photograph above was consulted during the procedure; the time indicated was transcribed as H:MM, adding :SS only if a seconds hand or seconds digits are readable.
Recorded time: 3:25:49
